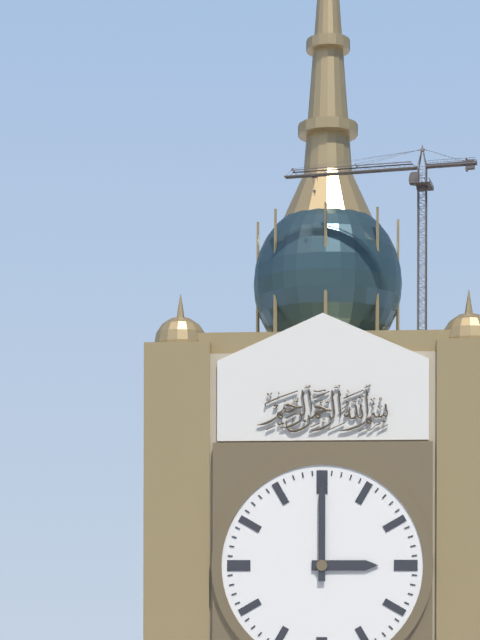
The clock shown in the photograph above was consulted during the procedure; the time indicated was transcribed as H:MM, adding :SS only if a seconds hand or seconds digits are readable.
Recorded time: 3:00
